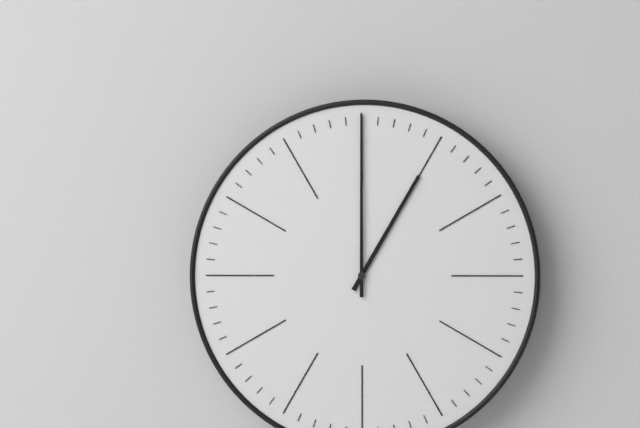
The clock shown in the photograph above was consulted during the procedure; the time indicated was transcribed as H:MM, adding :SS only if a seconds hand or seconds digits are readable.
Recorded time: 1:00
